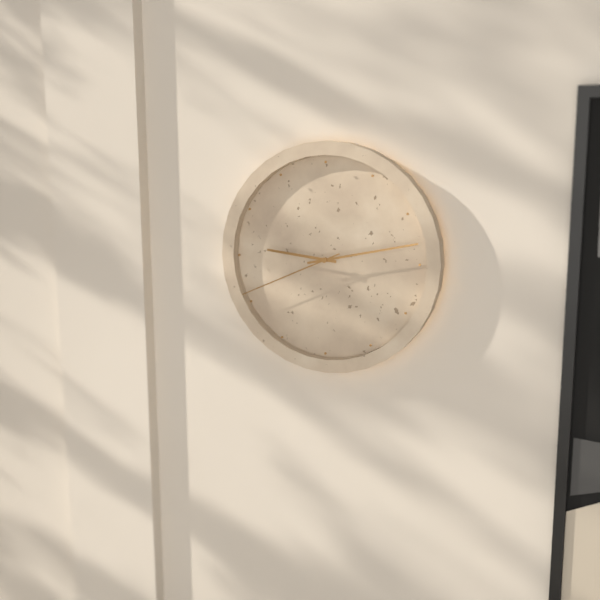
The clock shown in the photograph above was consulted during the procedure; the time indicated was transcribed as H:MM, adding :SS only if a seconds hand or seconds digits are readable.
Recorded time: 9:13:41
